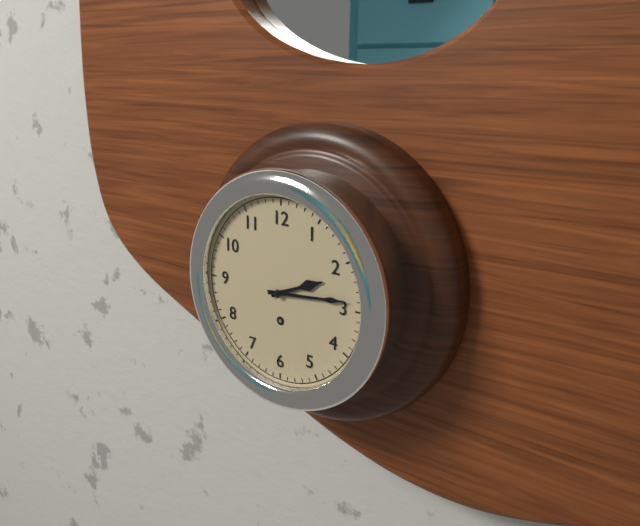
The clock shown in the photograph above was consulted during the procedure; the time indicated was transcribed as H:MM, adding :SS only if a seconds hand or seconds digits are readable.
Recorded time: 2:14
